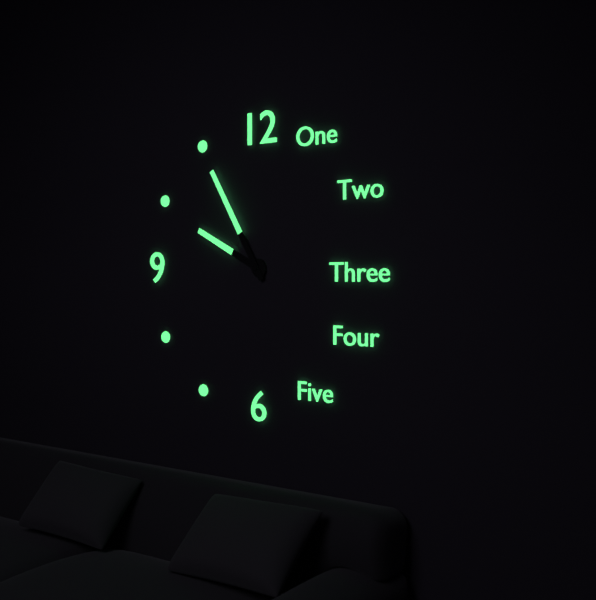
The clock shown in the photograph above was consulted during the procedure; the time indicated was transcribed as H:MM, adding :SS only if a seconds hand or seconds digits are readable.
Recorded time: 9:55
